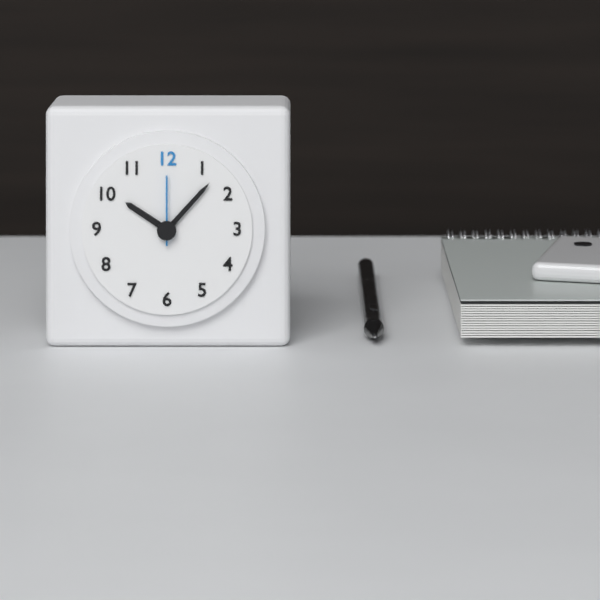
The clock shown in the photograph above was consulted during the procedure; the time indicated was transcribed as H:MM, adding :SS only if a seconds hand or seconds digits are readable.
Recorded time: 10:07:00
